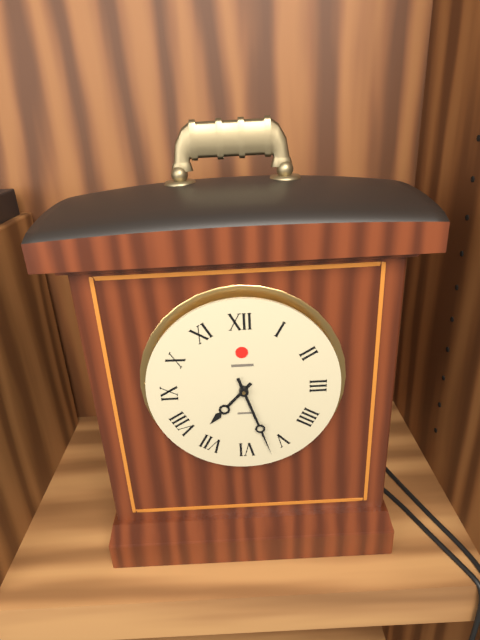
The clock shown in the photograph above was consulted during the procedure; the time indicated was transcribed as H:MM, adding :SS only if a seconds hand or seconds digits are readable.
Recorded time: 7:27
